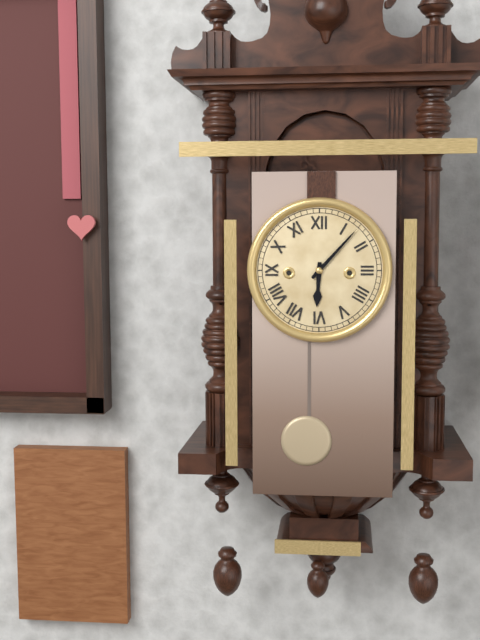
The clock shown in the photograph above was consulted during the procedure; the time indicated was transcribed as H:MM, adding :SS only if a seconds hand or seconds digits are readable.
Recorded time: 6:07
